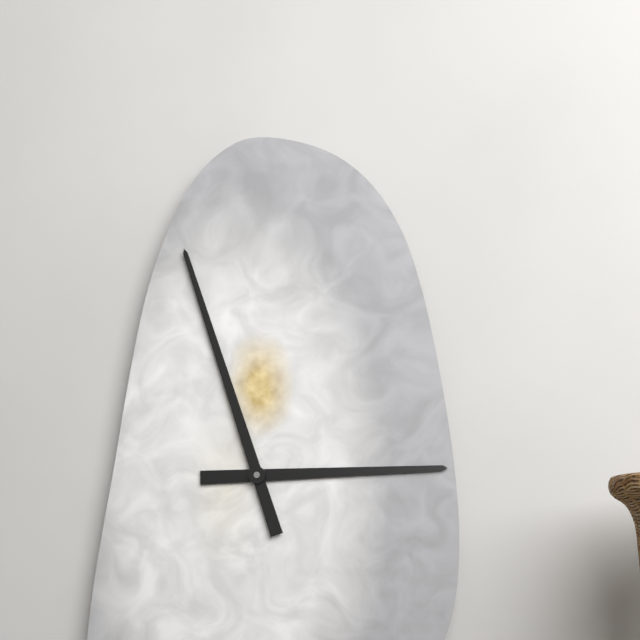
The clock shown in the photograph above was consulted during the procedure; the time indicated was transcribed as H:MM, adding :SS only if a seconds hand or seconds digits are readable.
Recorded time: 2:57
